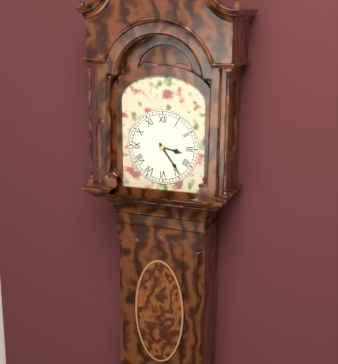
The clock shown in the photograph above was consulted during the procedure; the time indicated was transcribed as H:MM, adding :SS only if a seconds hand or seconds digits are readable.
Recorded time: 3:24
